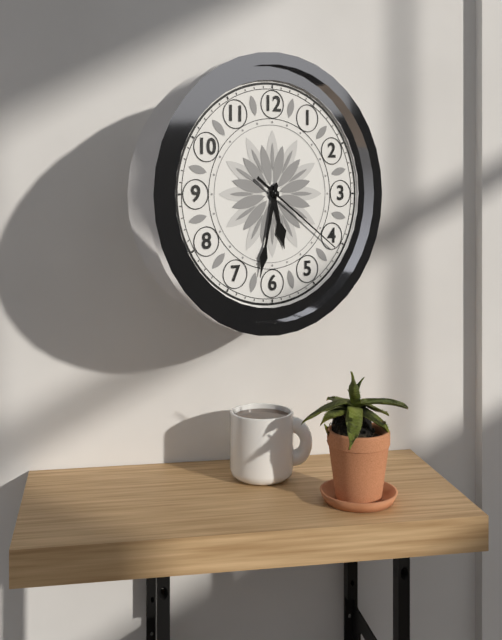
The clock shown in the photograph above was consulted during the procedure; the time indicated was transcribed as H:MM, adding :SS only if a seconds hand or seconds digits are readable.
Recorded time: 5:32:21
